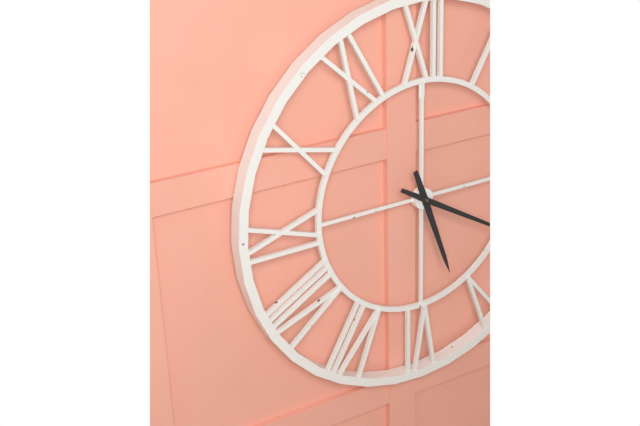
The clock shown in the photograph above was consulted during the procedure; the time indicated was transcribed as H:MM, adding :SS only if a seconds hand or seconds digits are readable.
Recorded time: 5:20
